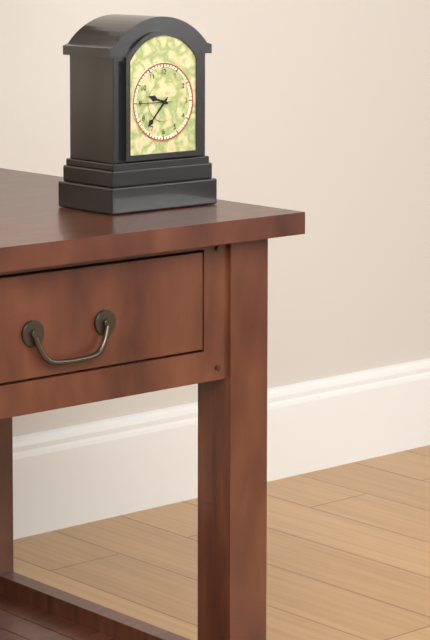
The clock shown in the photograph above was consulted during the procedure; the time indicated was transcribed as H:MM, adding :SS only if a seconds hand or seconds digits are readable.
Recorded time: 9:37
